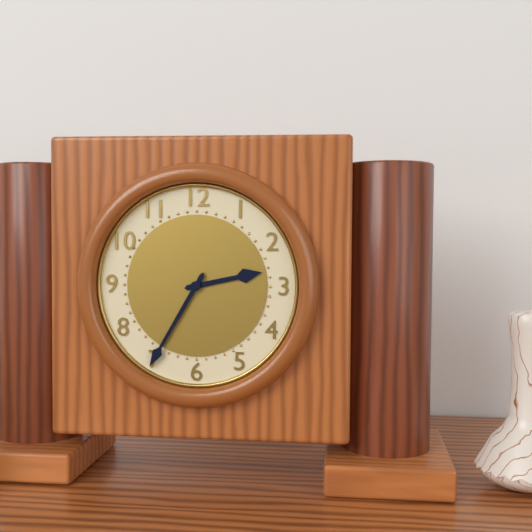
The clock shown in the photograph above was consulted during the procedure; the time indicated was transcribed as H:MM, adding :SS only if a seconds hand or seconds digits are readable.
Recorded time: 2:35
